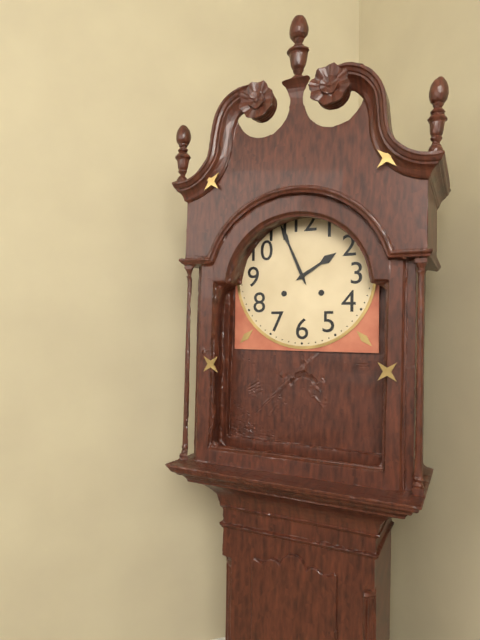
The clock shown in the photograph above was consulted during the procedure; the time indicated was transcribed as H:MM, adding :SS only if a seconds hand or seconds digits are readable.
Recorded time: 1:56
